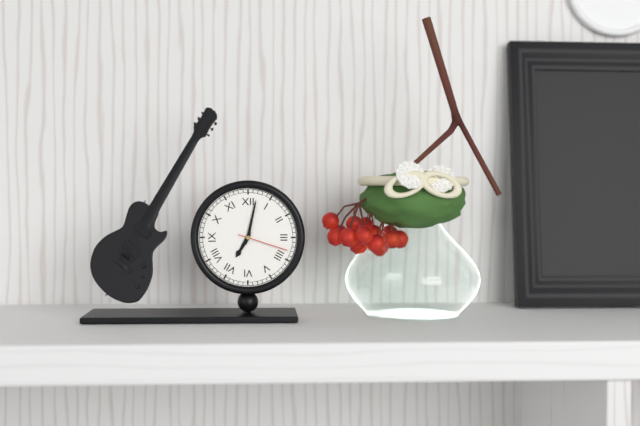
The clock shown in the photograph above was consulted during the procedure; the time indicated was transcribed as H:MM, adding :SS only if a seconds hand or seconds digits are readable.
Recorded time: 7:02:18
